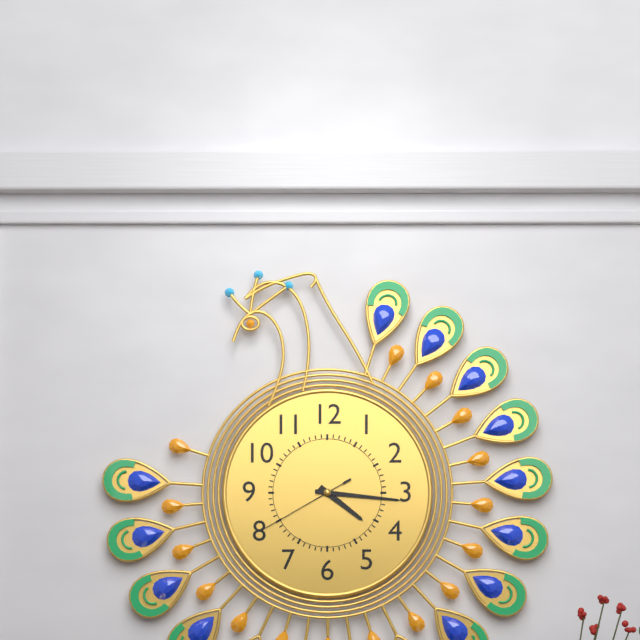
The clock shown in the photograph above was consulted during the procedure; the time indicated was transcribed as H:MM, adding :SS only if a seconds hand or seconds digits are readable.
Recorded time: 4:16:40
